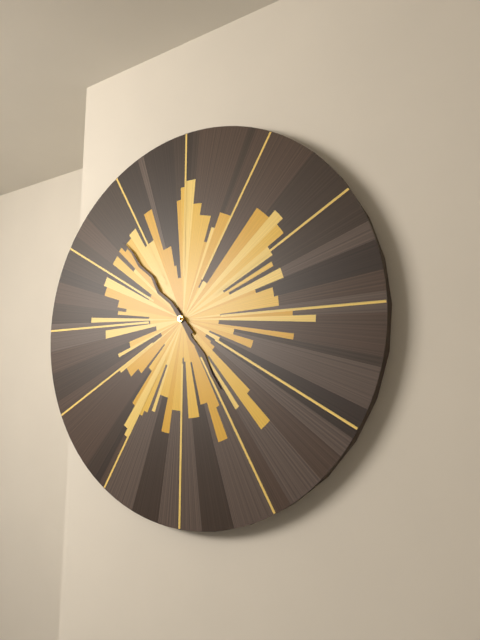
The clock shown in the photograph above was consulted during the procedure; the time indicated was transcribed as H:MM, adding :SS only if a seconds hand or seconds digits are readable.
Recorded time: 4:53
